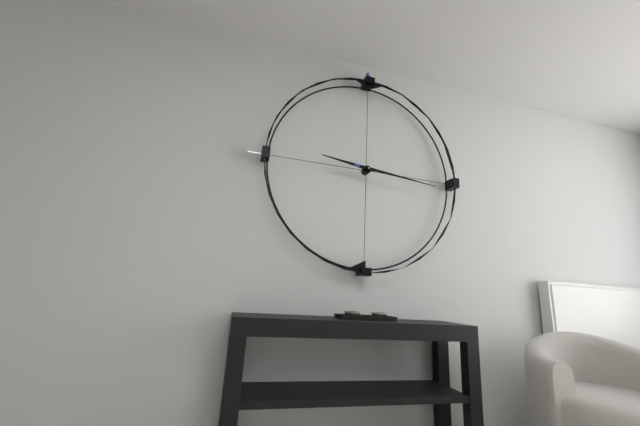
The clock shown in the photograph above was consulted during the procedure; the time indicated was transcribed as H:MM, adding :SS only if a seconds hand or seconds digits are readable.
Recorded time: 9:16
